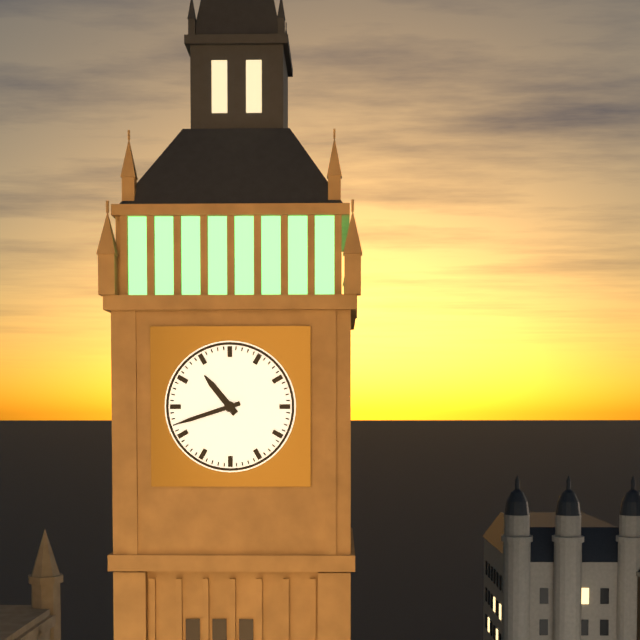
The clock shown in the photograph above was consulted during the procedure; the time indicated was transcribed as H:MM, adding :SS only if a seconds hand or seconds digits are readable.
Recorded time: 10:42
